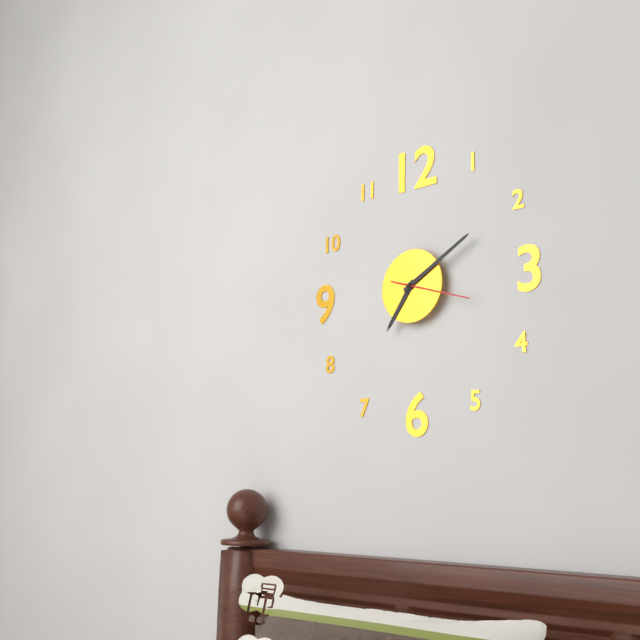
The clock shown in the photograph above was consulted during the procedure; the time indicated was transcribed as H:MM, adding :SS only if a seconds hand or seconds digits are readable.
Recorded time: 7:10:18
